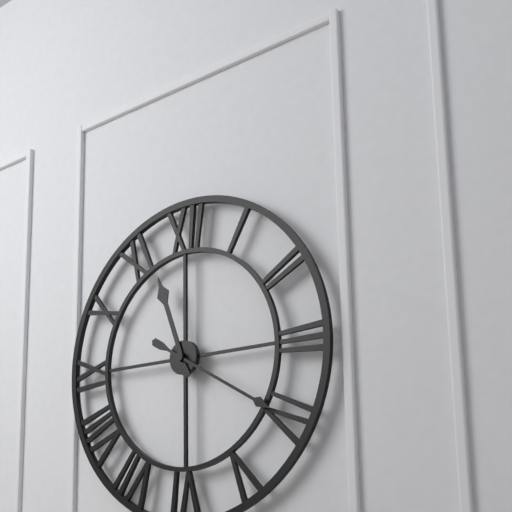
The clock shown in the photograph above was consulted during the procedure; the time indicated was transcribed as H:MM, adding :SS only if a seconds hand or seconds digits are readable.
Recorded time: 11:20
